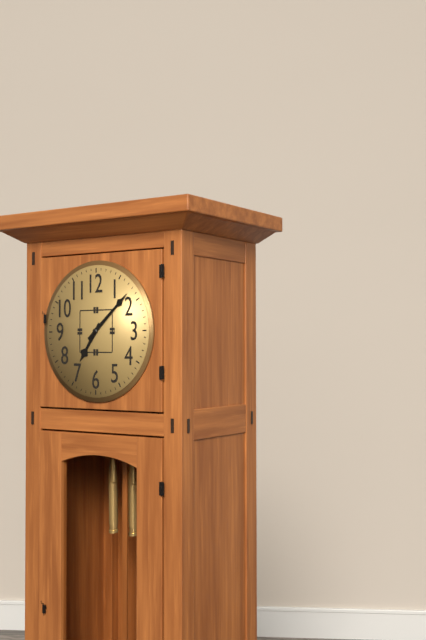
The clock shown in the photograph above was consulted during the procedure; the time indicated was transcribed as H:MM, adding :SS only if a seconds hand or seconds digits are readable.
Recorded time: 7:08
